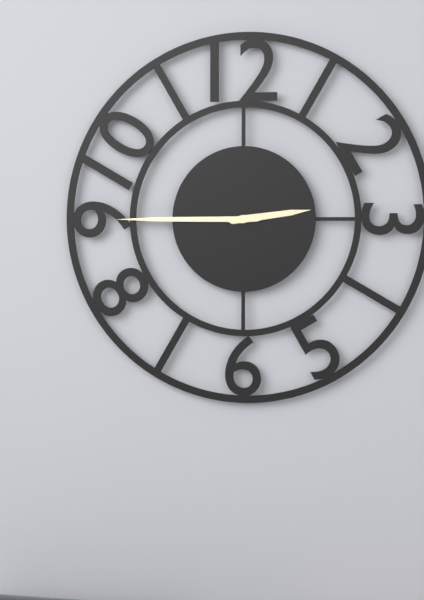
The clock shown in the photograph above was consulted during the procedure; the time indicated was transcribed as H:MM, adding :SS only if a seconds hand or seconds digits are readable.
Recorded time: 2:45
